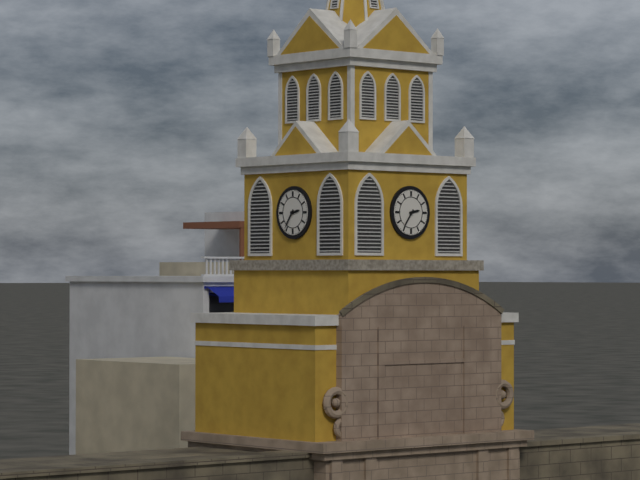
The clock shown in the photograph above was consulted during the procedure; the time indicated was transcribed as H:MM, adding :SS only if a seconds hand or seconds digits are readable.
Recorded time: 2:36
